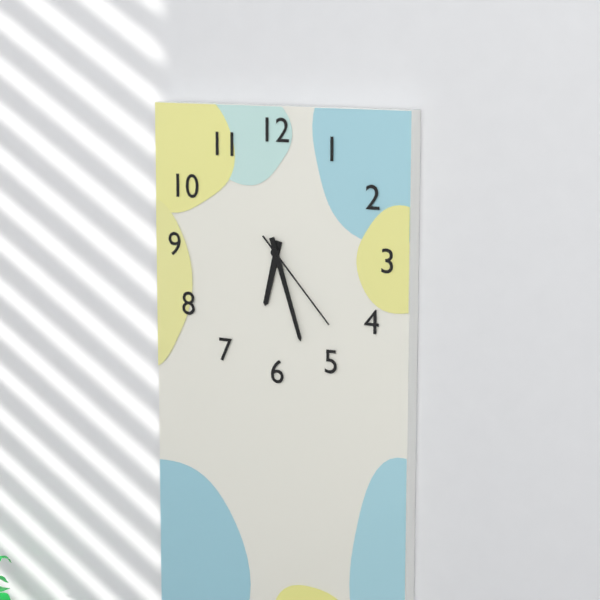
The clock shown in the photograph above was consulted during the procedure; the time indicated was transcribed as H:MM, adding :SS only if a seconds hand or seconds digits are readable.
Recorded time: 6:27:23
